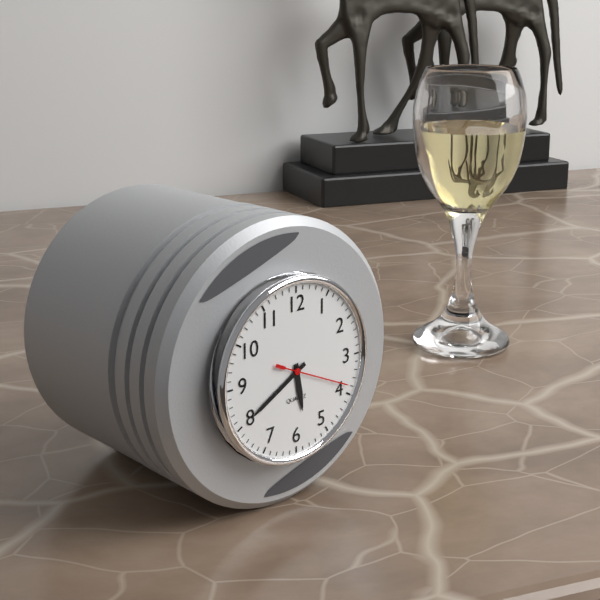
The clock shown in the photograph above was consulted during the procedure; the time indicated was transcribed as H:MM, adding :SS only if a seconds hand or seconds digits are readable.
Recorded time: 5:40:19
